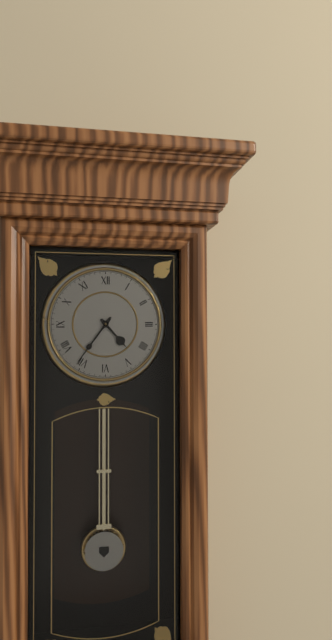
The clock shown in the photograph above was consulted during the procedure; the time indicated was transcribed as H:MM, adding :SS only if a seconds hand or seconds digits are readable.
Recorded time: 4:36
